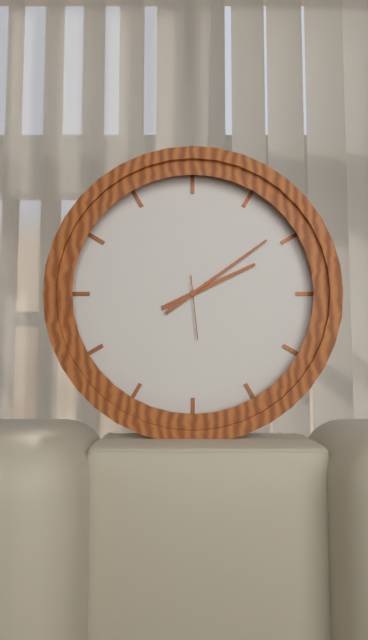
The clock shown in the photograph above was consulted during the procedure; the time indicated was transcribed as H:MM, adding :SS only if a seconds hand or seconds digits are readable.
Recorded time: 2:09:29
